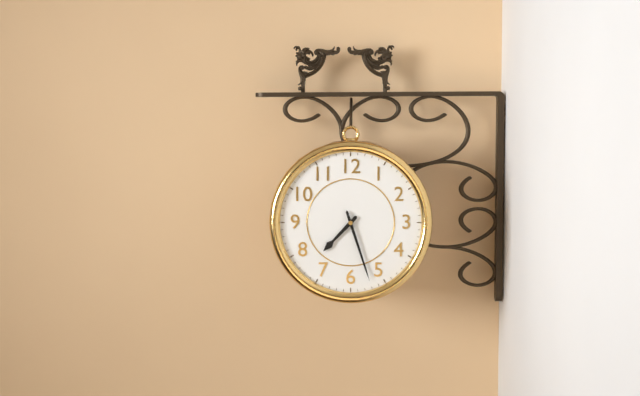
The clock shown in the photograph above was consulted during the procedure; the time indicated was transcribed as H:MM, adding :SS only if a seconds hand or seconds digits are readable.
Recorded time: 7:27
